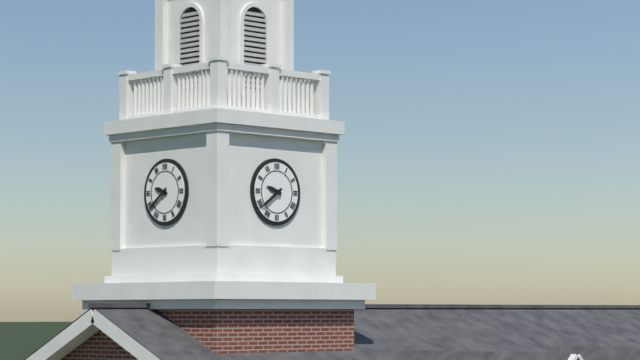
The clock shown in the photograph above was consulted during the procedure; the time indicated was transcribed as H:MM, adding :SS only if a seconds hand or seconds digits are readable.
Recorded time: 9:39
